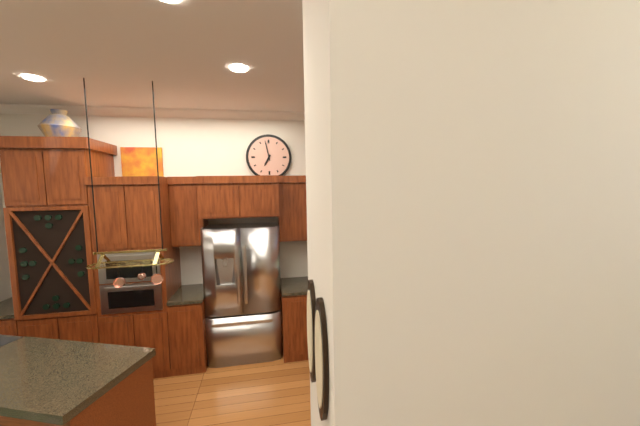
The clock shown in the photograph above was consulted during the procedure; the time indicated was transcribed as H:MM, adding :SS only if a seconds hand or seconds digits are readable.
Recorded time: 6:58
